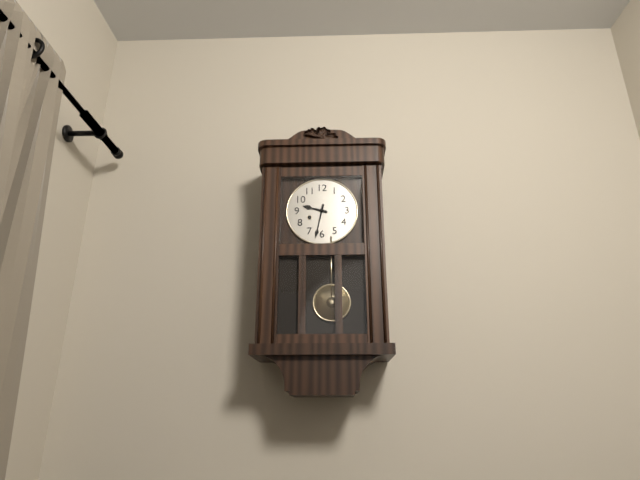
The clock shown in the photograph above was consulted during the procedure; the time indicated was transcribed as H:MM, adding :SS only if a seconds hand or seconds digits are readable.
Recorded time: 9:32
